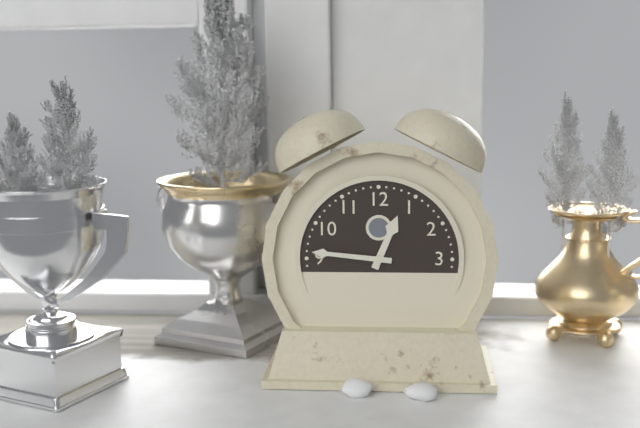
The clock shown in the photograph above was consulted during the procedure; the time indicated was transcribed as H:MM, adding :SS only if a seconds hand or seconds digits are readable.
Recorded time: 12:46
